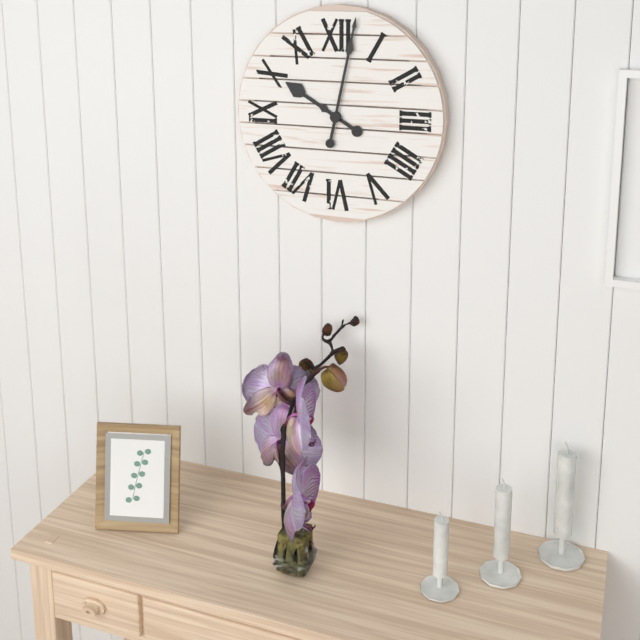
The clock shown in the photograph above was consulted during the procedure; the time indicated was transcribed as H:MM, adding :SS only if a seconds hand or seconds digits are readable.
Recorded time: 10:02
